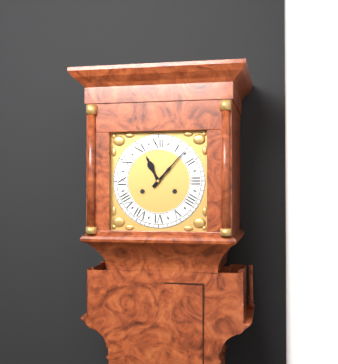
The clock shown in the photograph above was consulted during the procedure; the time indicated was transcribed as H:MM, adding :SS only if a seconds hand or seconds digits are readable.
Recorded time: 11:07
